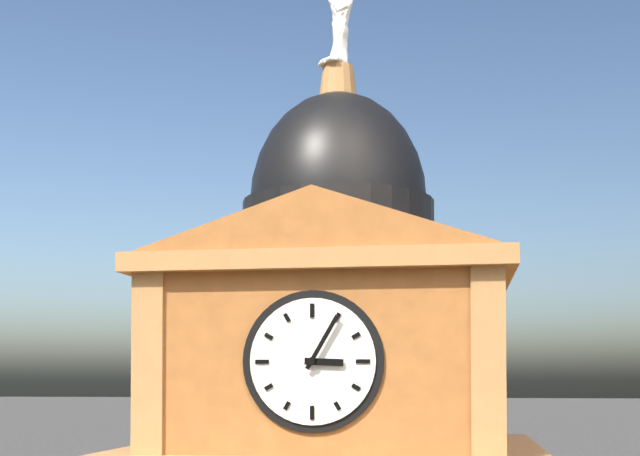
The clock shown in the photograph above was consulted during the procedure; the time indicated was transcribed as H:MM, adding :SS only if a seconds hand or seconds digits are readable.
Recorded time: 3:05
